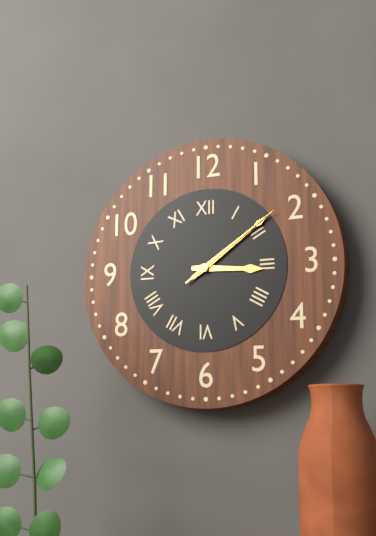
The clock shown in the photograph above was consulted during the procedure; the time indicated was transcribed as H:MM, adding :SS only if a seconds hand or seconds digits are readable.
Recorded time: 3:09:09
